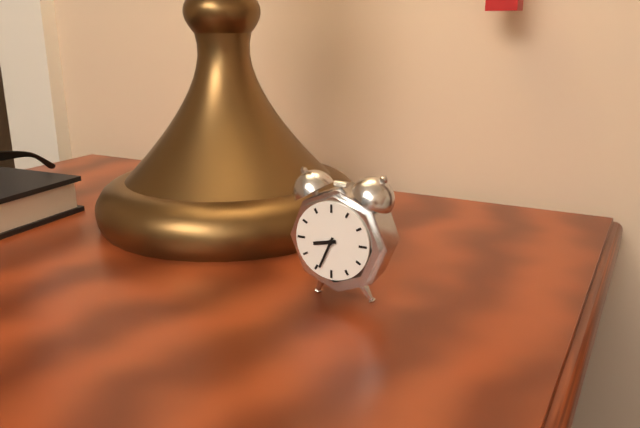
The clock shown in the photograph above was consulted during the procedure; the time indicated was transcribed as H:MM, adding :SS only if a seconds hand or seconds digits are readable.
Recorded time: 8:34
